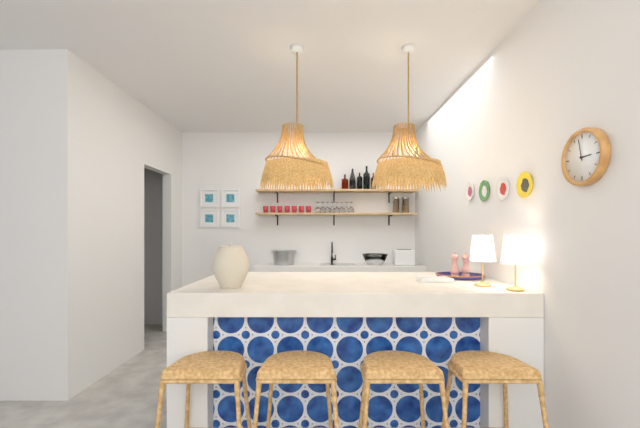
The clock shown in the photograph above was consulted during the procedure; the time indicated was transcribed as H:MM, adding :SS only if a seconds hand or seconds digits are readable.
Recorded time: 2:58
